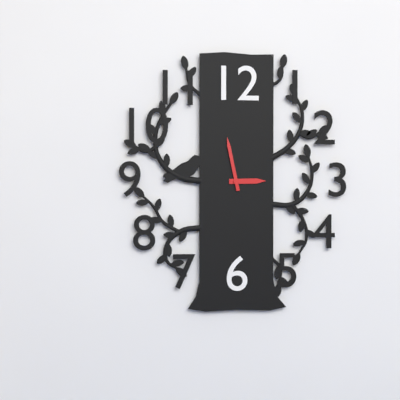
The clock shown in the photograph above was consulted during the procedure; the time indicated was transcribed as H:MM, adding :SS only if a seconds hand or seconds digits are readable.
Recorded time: 2:58
